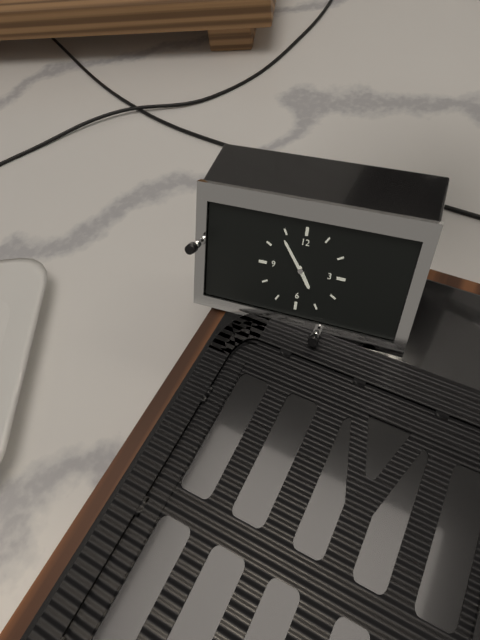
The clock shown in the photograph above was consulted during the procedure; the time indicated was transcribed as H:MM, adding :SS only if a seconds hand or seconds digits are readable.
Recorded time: 4:54
